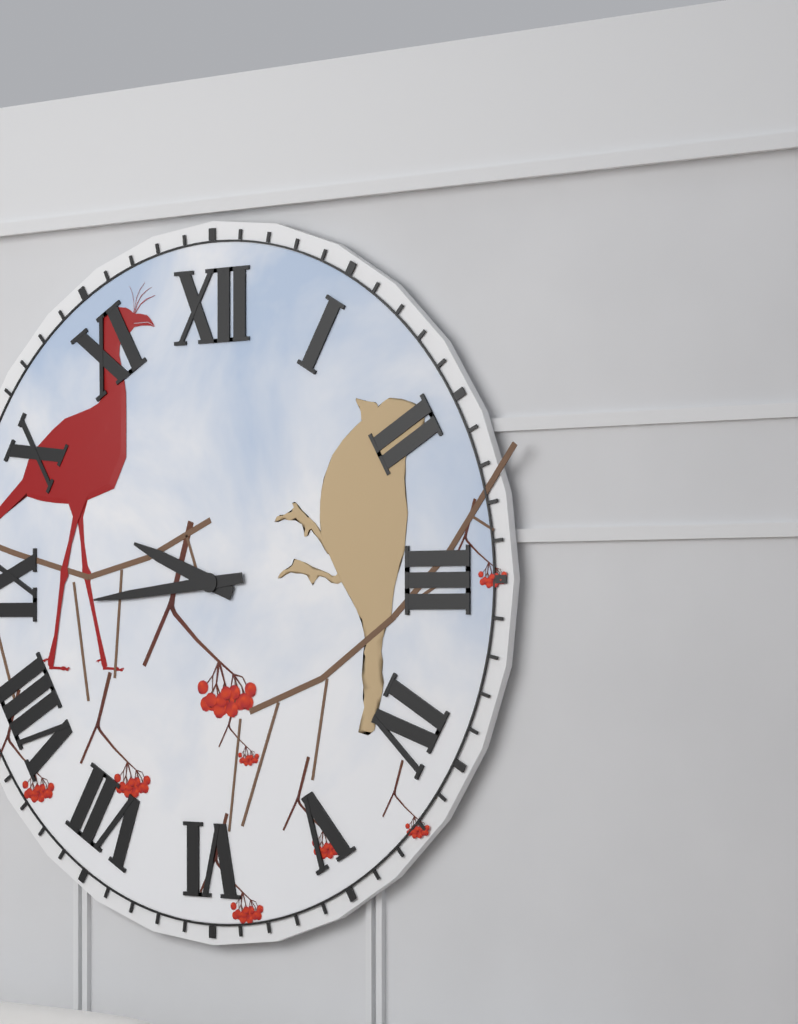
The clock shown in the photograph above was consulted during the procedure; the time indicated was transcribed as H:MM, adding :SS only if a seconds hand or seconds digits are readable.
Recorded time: 9:44
